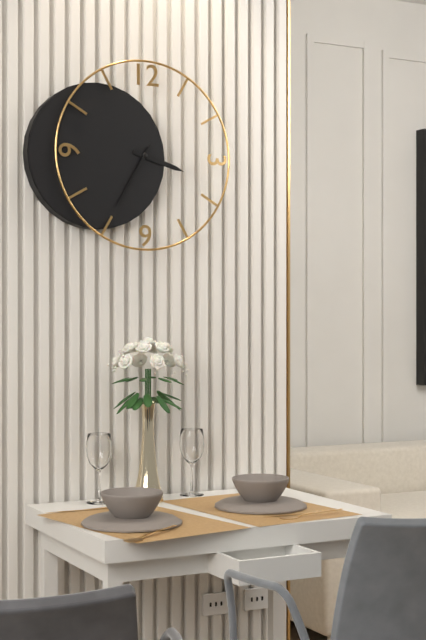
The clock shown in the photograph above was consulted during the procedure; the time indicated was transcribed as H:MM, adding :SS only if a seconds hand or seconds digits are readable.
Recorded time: 3:35
